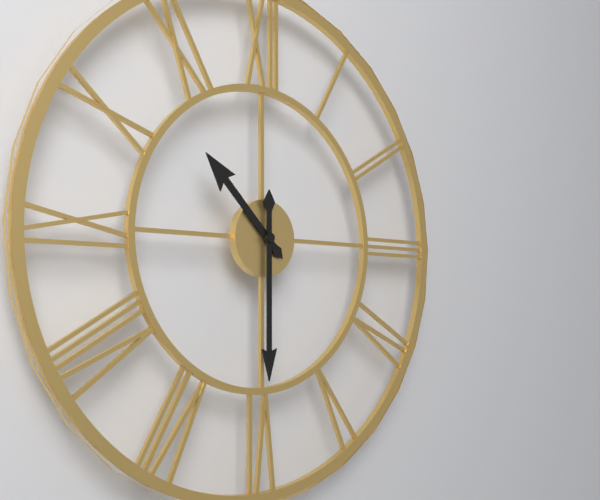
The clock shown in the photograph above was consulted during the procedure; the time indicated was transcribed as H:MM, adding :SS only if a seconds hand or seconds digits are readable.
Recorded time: 10:30
